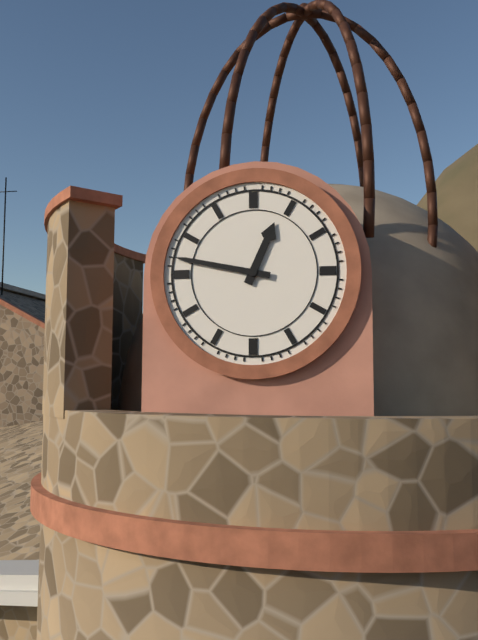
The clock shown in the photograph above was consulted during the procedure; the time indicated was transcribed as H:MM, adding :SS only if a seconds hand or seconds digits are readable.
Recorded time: 12:47
